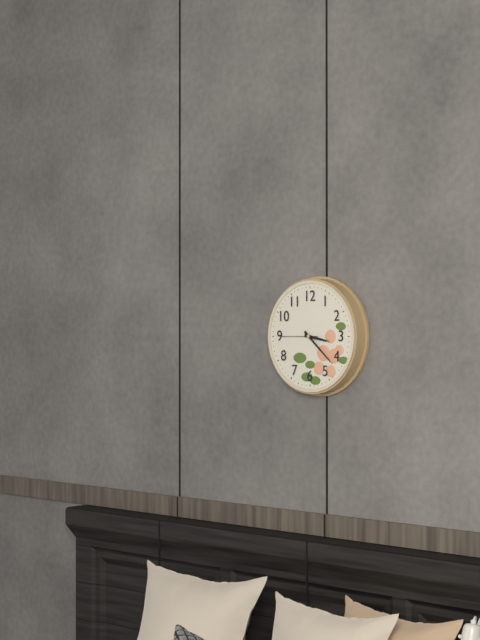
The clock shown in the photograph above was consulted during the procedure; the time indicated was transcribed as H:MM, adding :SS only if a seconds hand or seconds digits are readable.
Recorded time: 3:22
